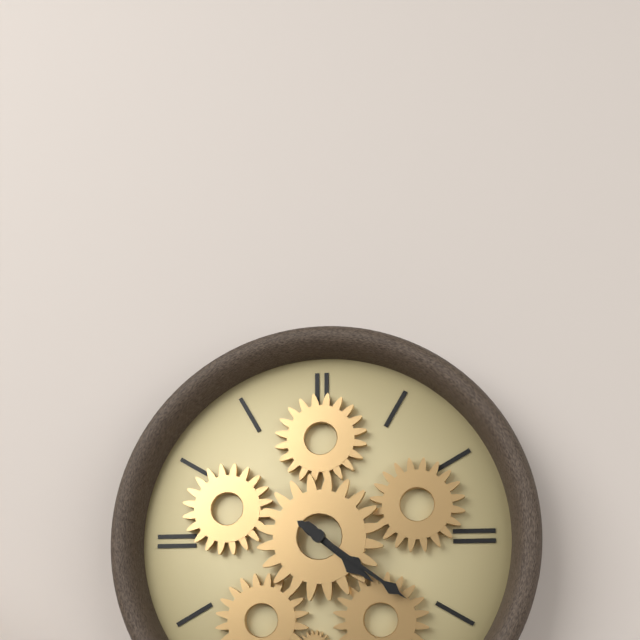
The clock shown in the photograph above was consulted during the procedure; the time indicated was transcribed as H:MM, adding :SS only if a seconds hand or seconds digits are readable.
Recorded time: 4:21
